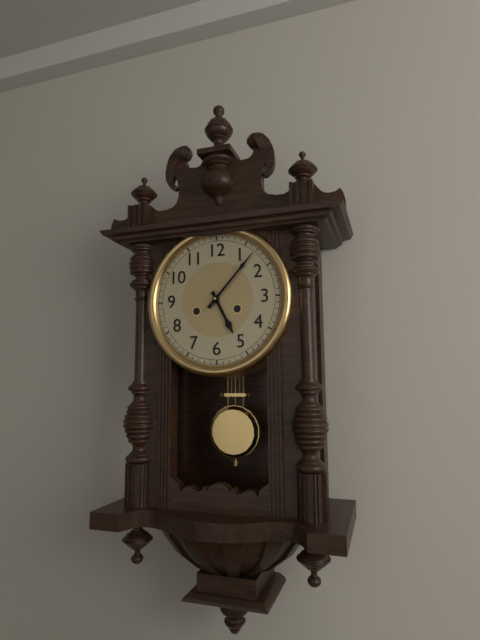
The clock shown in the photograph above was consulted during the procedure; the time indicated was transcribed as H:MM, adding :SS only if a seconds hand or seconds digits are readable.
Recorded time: 5:07
